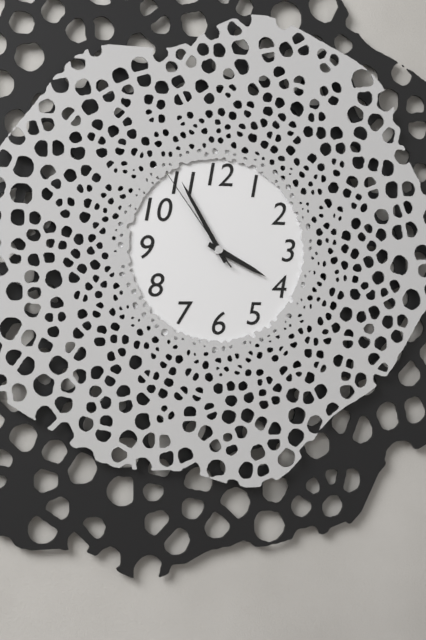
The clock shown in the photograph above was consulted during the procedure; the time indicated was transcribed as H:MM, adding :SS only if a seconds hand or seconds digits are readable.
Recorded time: 3:55:54
